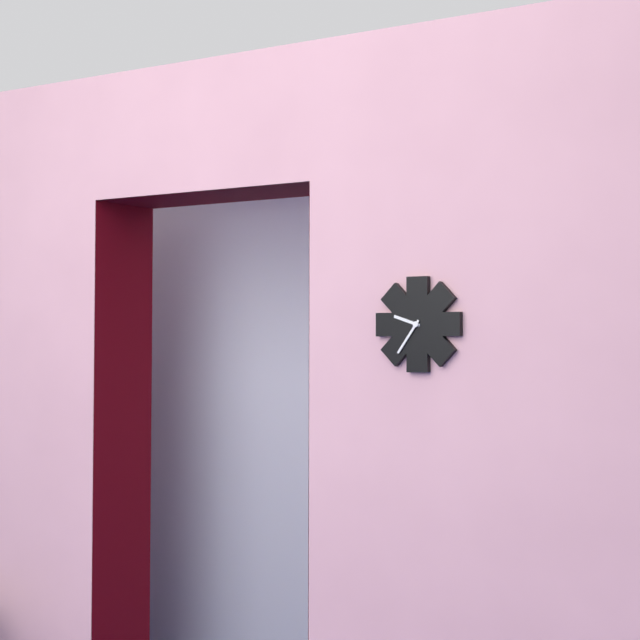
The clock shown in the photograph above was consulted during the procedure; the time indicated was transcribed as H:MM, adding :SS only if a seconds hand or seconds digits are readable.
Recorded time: 9:36
